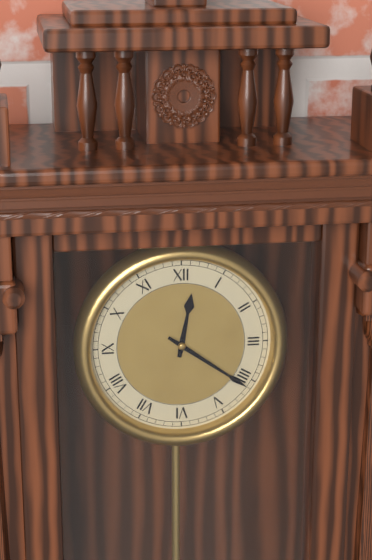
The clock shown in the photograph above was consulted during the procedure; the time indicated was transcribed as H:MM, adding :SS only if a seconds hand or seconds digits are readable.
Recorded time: 12:21
